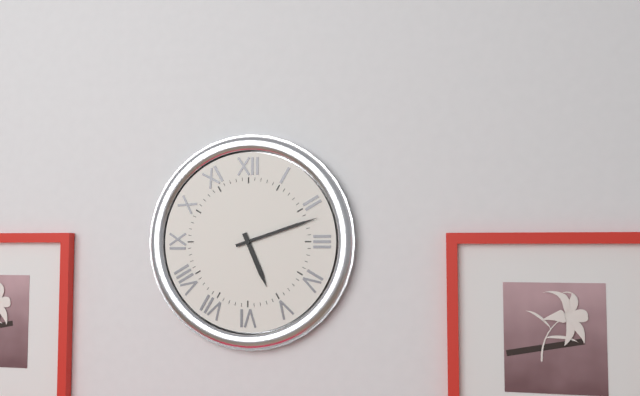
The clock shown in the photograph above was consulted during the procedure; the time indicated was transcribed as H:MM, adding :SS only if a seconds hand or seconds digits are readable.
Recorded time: 5:12
